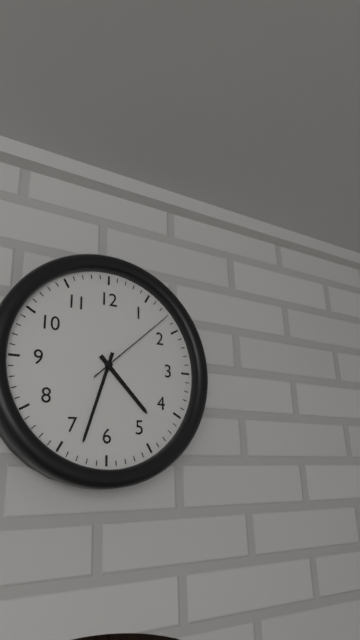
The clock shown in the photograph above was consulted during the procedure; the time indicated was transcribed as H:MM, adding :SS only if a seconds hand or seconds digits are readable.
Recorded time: 4:33:08
